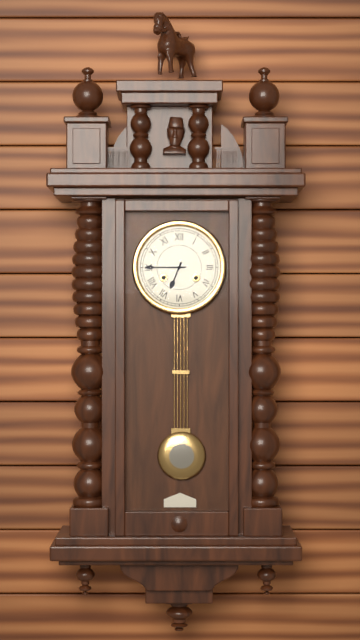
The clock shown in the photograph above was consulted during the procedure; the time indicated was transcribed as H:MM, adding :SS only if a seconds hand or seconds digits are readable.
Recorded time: 6:45
